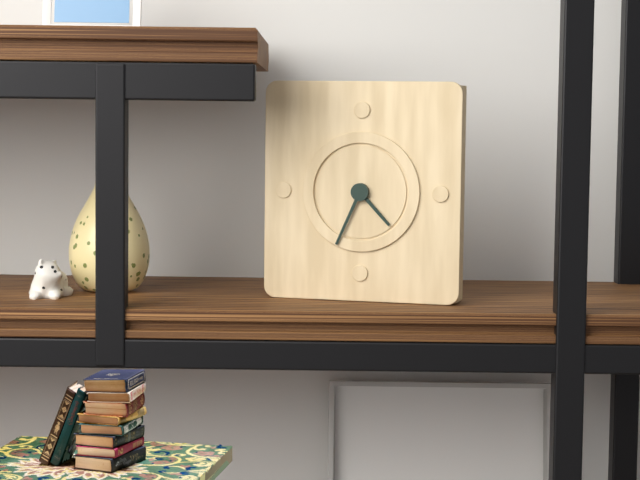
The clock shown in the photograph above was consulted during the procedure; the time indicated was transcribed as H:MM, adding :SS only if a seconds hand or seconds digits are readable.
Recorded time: 4:34
